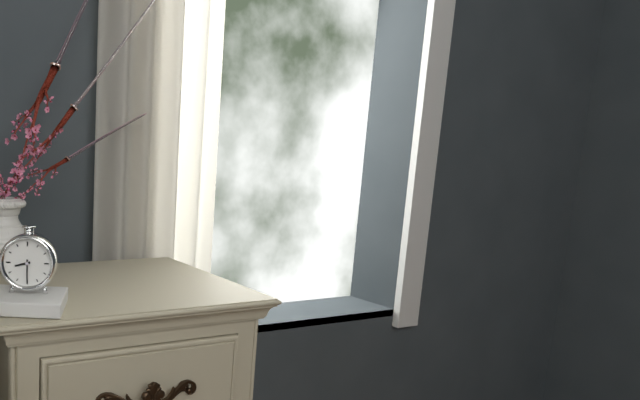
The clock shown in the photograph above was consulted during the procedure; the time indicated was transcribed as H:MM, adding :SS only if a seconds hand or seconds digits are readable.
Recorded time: 8:30
